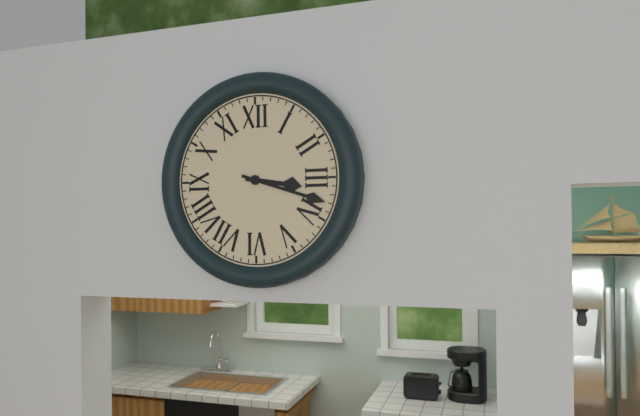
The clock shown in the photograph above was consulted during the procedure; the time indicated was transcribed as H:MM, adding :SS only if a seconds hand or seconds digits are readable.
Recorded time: 3:18
